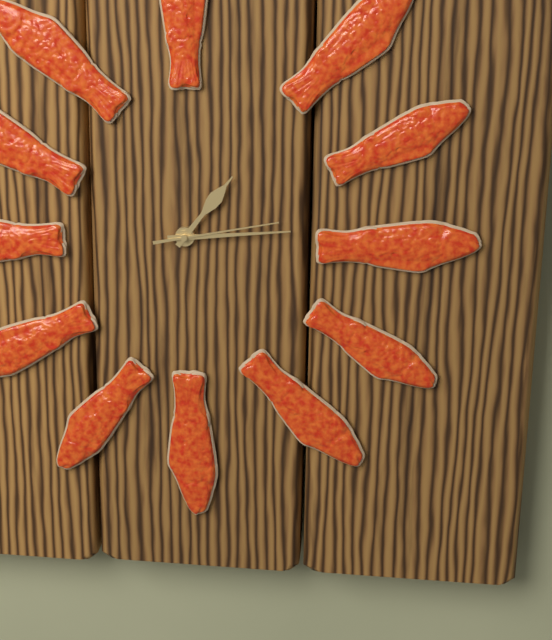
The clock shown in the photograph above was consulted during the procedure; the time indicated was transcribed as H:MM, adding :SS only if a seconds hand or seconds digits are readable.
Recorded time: 1:14:13
